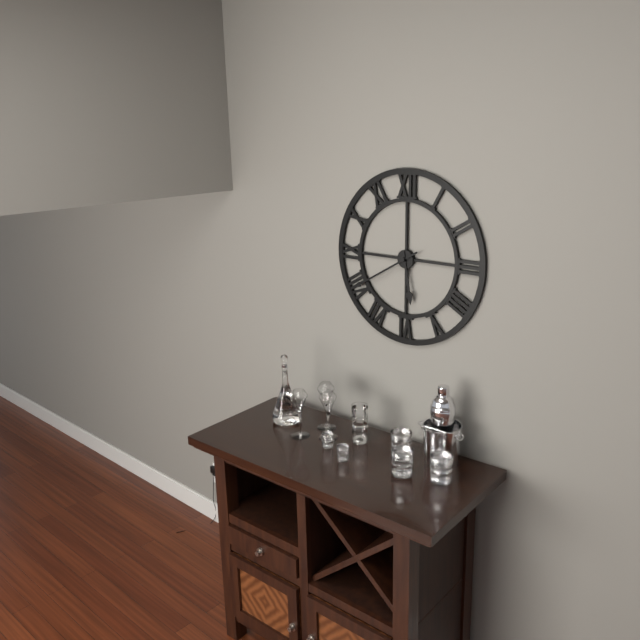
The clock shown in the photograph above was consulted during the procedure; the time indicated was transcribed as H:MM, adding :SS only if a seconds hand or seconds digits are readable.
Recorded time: 5:40
